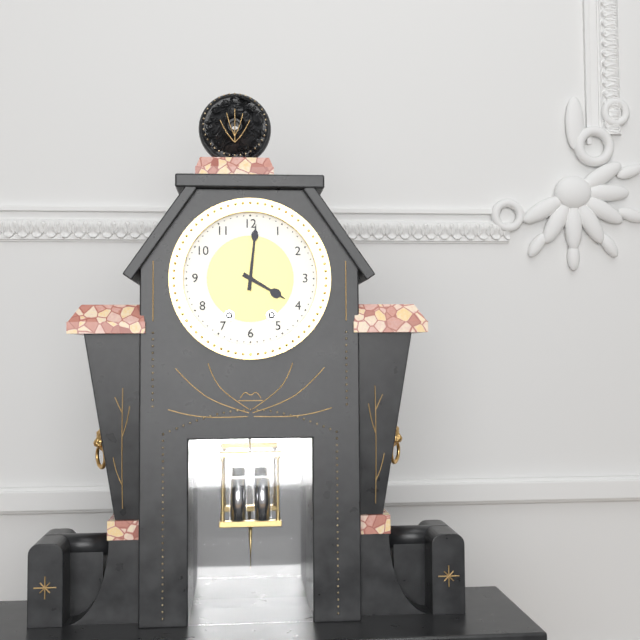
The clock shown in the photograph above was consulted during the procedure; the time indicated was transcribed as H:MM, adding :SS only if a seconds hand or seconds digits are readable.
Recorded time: 4:01
